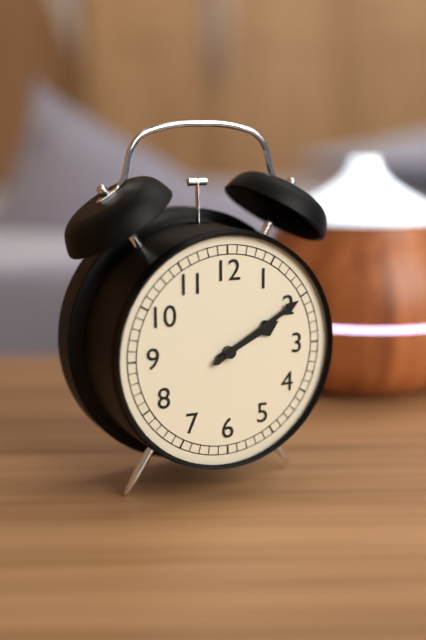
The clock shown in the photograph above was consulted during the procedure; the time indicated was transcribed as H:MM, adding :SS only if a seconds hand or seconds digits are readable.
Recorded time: 2:10
